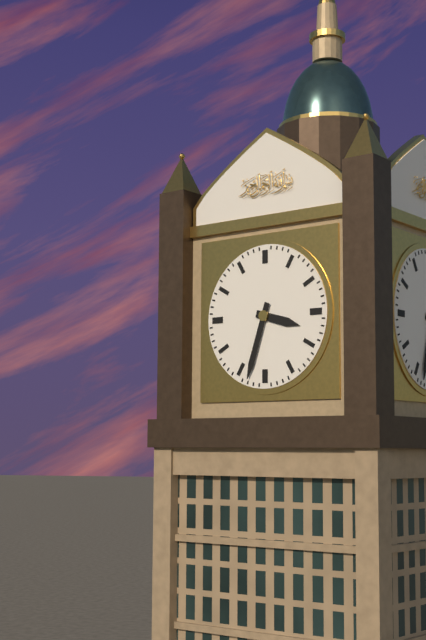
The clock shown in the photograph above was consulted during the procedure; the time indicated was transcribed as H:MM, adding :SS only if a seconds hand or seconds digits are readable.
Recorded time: 3:33
